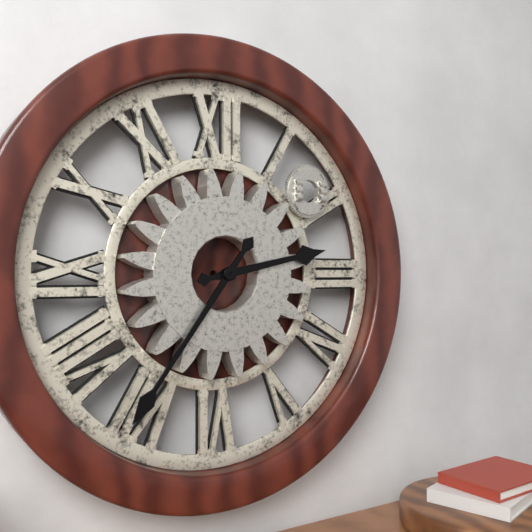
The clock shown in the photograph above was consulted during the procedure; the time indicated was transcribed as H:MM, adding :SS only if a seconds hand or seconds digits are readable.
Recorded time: 2:36
